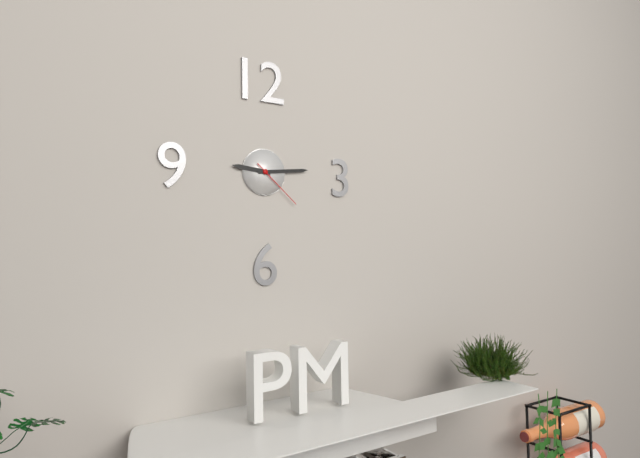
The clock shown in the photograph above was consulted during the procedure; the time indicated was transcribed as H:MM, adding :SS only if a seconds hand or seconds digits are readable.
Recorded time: 9:14:22
